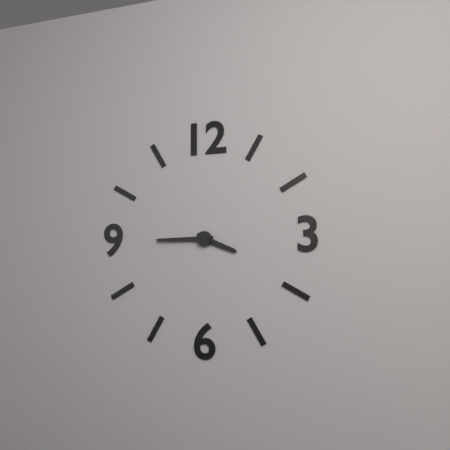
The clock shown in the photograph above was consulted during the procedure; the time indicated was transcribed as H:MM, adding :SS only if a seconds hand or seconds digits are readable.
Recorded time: 3:45
